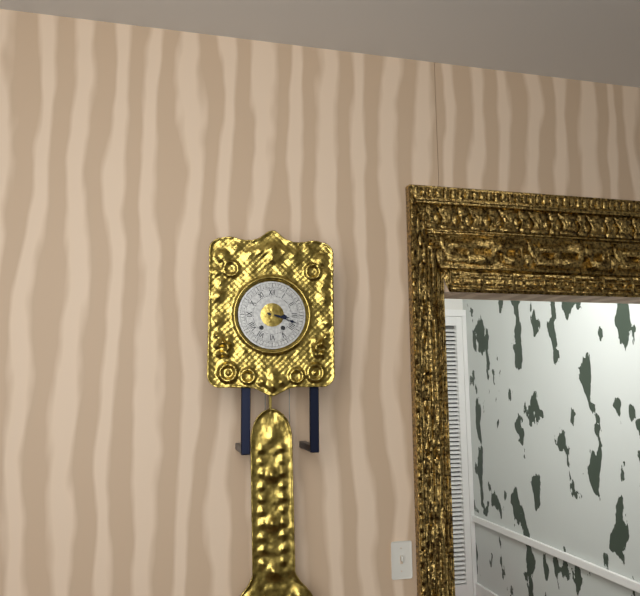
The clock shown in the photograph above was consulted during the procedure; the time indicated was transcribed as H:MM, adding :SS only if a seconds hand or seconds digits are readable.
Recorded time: 3:18
